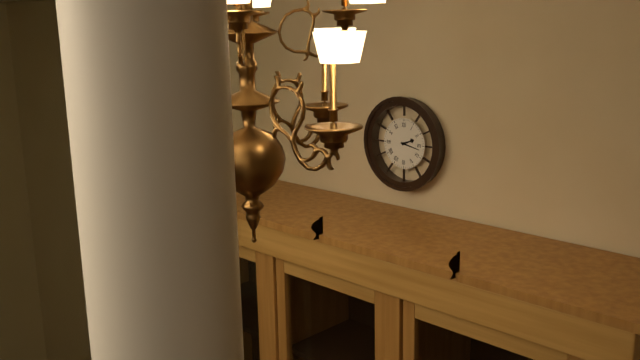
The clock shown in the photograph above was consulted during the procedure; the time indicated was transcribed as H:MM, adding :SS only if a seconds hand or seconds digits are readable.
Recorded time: 2:17
